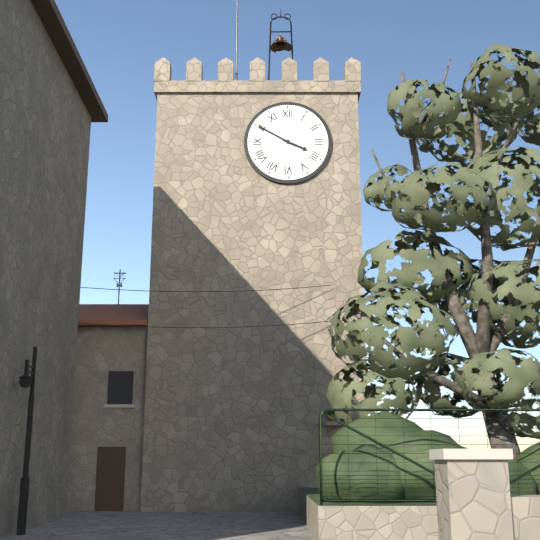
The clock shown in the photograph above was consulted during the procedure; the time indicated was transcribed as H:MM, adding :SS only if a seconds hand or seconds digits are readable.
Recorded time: 3:50
